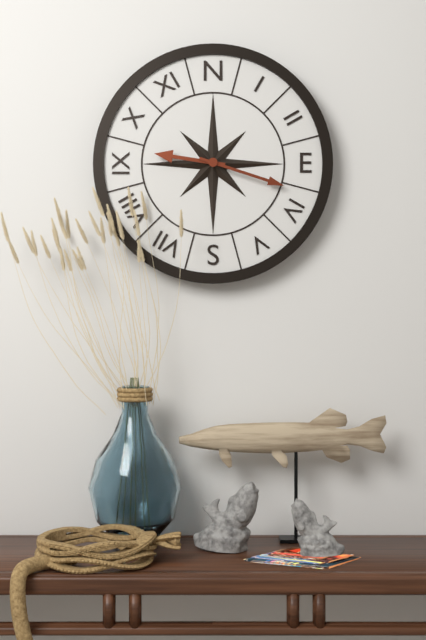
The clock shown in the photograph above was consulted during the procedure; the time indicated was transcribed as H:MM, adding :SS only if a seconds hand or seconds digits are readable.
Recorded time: 9:18
